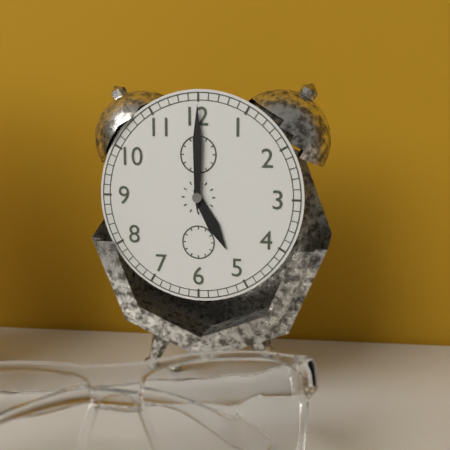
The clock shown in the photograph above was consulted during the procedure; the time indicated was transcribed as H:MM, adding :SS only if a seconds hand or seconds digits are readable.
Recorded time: 5:00
